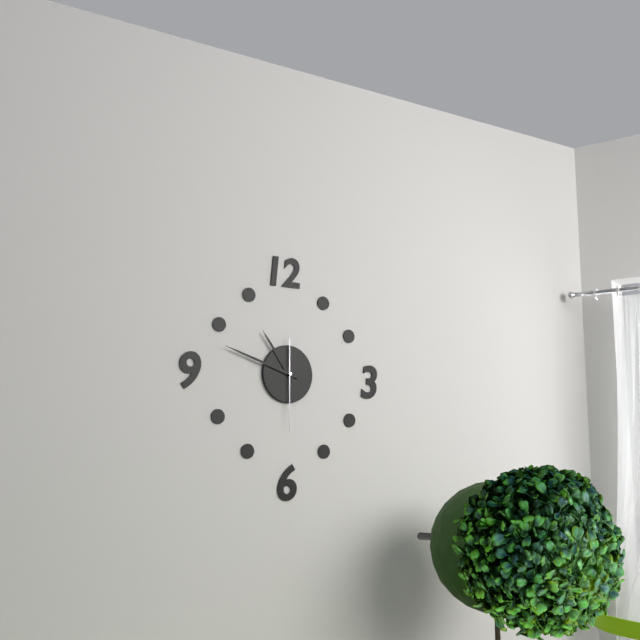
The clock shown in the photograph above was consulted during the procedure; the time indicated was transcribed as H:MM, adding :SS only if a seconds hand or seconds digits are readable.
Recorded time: 10:48:30
